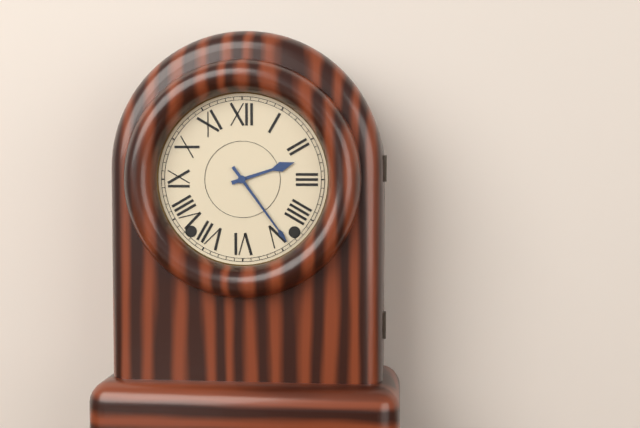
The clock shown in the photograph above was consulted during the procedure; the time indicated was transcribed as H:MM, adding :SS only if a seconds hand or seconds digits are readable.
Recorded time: 2:24
